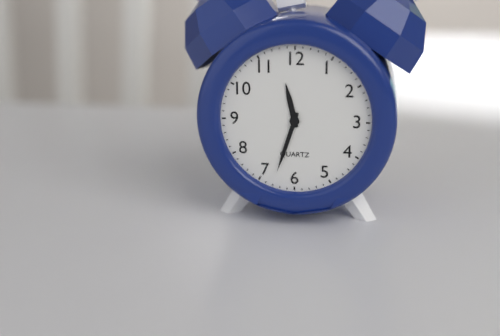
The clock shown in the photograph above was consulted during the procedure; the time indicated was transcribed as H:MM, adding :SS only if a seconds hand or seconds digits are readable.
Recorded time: 11:33
